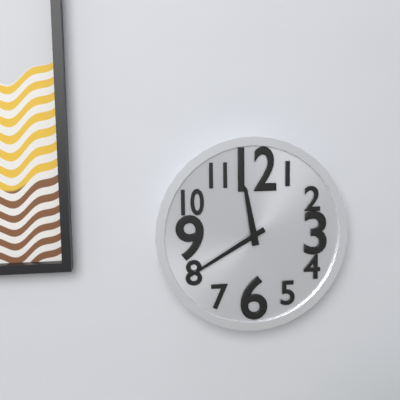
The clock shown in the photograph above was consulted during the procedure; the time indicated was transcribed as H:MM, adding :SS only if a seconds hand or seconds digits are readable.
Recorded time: 11:40
